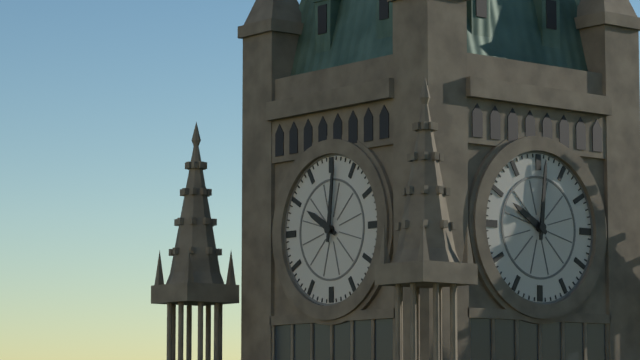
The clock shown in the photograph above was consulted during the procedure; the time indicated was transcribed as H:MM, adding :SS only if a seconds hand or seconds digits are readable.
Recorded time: 10:01
